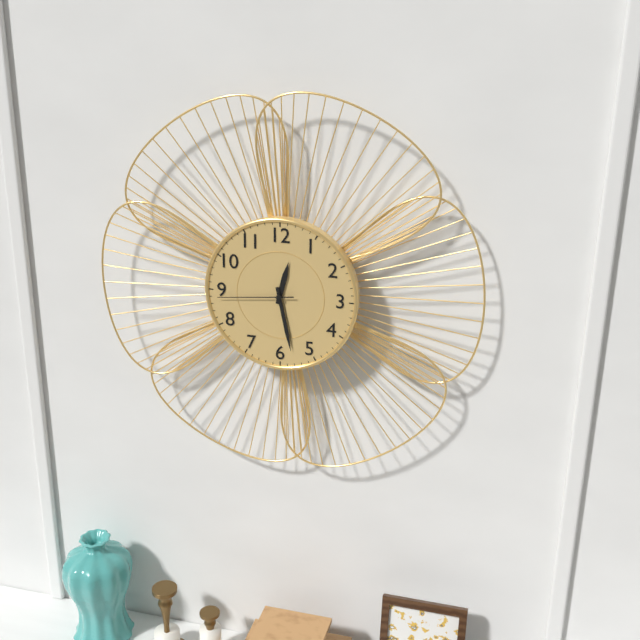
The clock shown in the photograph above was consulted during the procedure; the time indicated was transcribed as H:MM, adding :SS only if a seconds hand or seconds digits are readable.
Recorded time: 12:28:44
